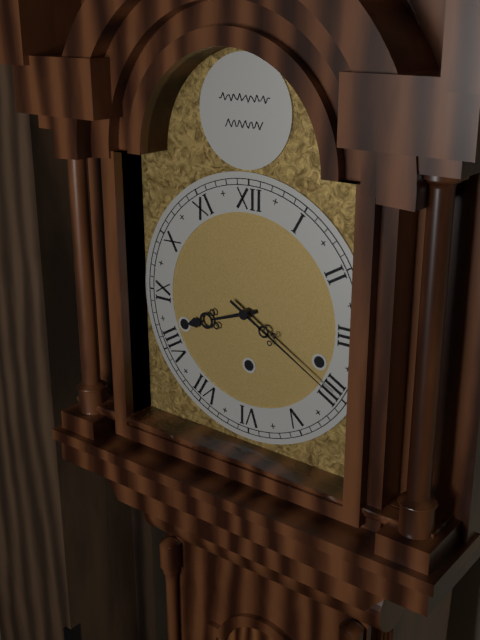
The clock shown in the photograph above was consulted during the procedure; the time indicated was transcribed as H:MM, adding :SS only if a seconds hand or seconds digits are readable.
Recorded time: 8:20
